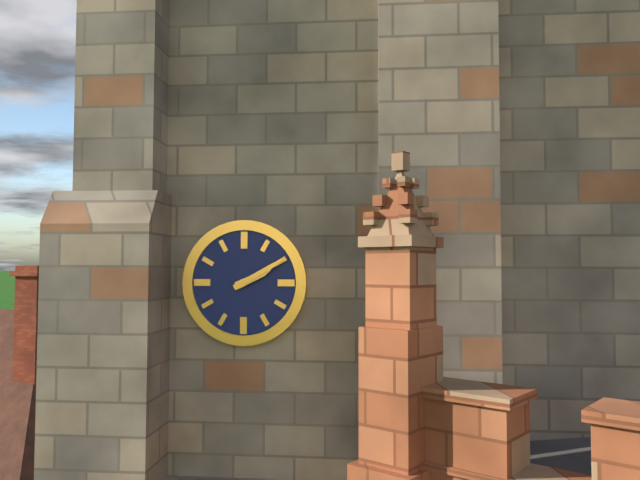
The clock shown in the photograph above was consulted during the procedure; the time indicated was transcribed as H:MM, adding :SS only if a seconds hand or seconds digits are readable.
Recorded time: 2:10
